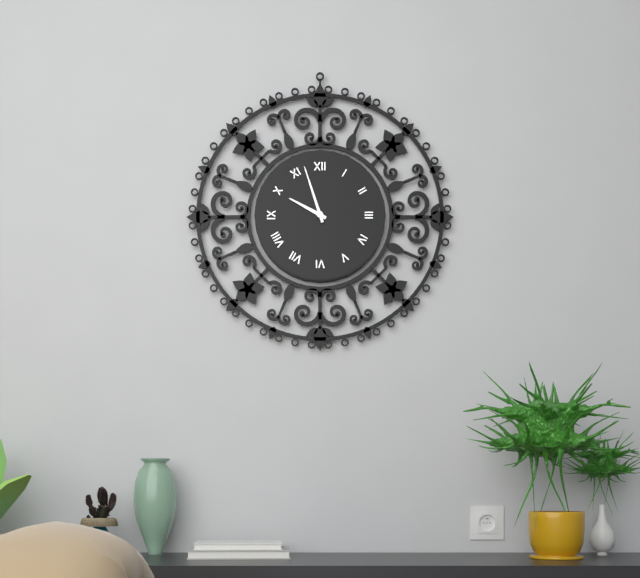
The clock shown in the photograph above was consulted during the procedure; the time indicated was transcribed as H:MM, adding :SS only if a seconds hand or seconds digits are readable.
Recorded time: 9:57
